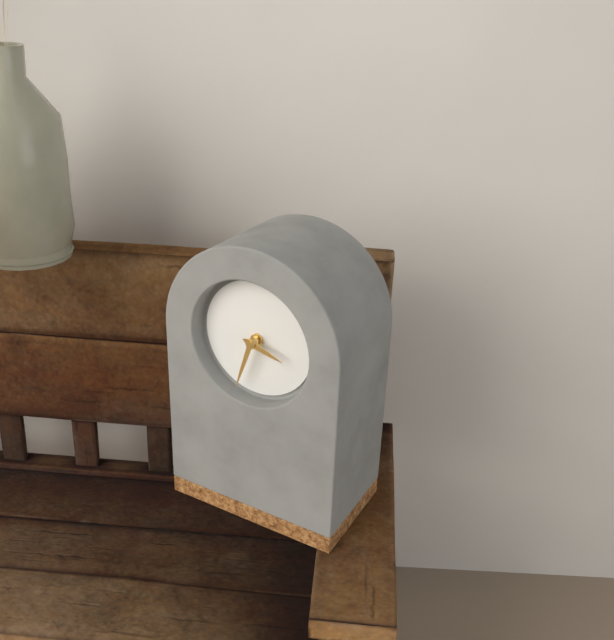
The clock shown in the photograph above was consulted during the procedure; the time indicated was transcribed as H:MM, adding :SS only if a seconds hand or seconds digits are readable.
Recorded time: 3:33
